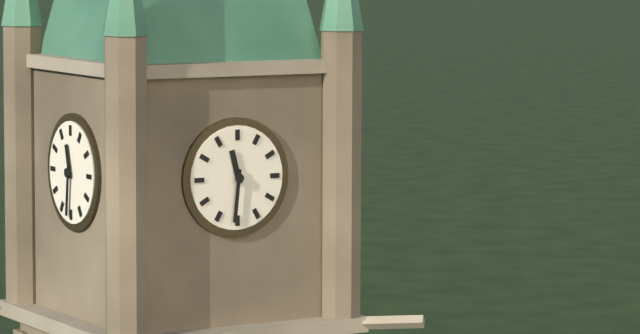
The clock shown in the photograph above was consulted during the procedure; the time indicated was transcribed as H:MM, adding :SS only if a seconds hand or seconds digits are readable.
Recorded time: 11:31
